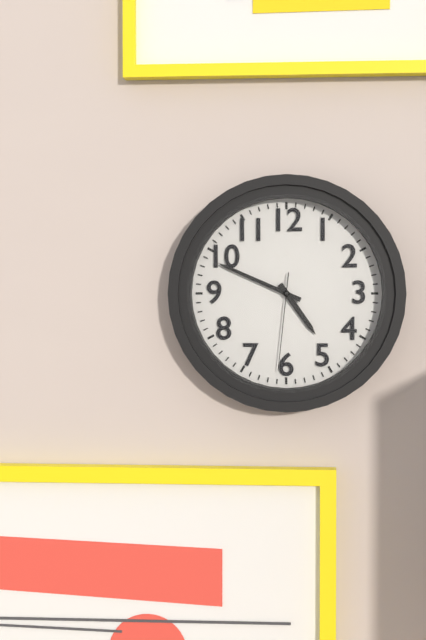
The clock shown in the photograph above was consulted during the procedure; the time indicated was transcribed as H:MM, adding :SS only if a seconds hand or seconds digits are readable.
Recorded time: 4:49:31
